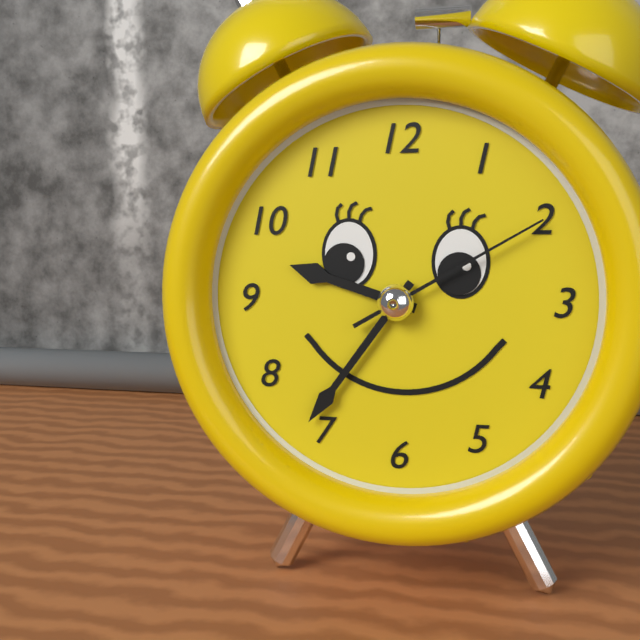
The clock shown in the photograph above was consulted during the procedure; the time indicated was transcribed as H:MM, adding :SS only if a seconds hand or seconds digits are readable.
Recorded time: 9:36:10
